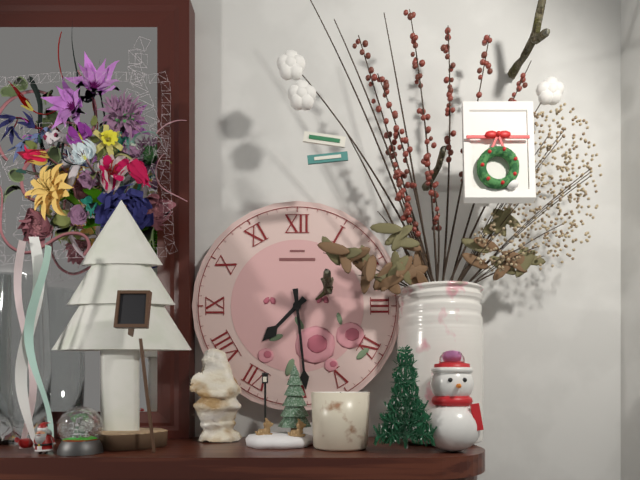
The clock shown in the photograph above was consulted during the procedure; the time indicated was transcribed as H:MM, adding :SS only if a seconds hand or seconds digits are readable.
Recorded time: 7:29
